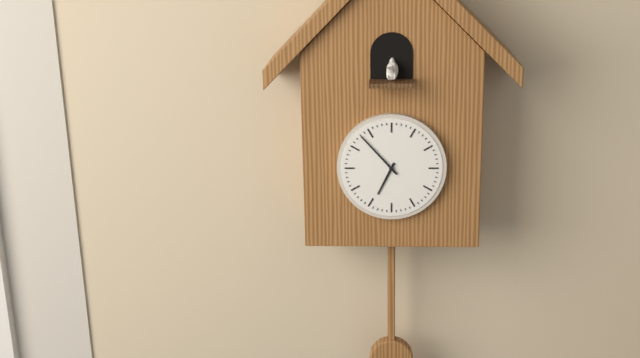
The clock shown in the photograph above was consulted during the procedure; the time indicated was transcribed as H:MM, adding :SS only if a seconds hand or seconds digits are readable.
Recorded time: 6:53
